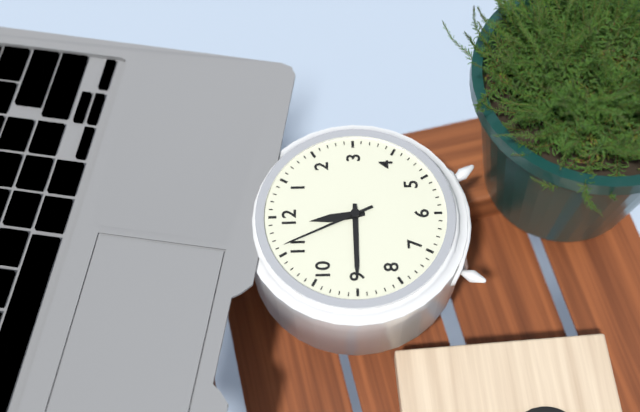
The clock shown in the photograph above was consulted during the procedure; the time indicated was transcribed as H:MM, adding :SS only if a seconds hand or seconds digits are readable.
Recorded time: 11:45:56
